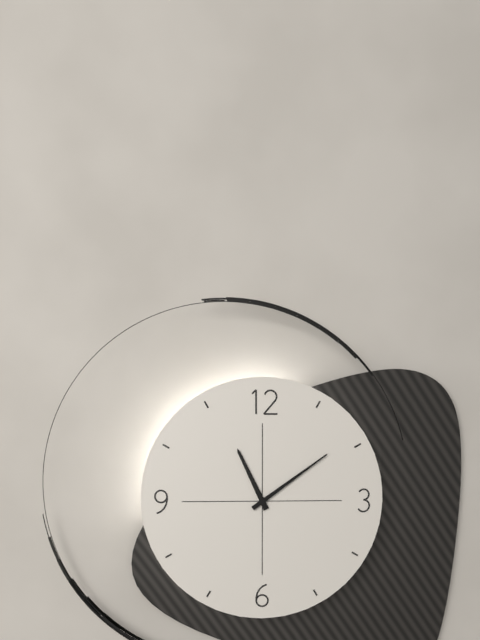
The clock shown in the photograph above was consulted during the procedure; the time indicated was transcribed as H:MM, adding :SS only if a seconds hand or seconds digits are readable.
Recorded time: 11:09
